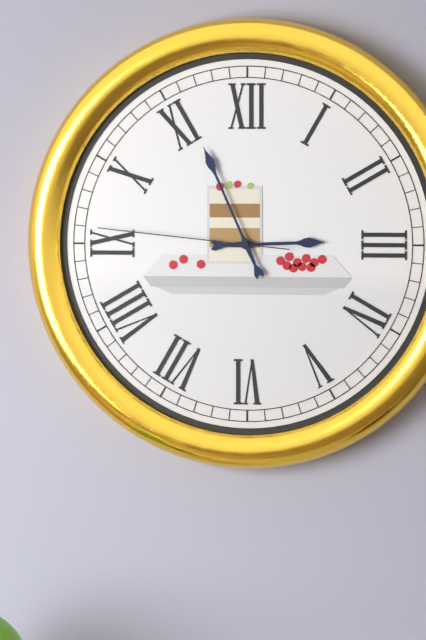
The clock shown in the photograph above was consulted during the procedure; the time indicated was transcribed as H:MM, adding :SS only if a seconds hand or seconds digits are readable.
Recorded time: 2:56:46
